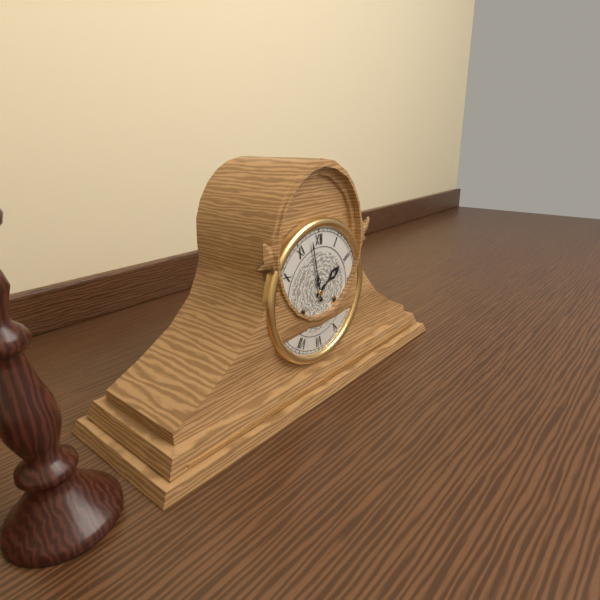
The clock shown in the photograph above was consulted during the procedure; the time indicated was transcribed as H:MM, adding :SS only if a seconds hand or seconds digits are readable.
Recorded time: 1:58
